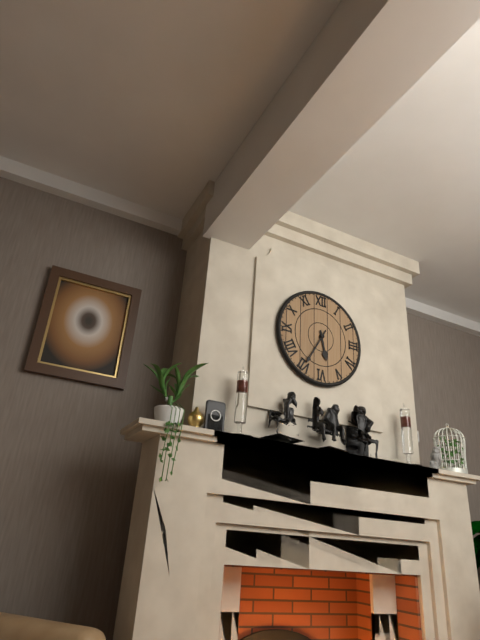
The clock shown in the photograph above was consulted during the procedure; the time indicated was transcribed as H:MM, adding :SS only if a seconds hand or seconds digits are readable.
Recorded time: 5:35
